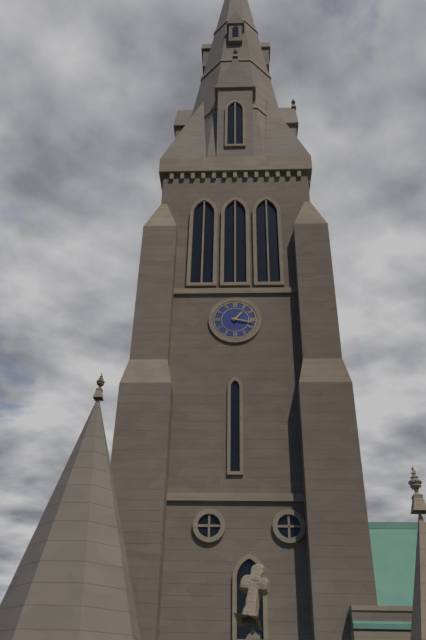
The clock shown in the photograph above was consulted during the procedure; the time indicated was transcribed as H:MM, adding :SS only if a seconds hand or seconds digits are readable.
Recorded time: 1:17
